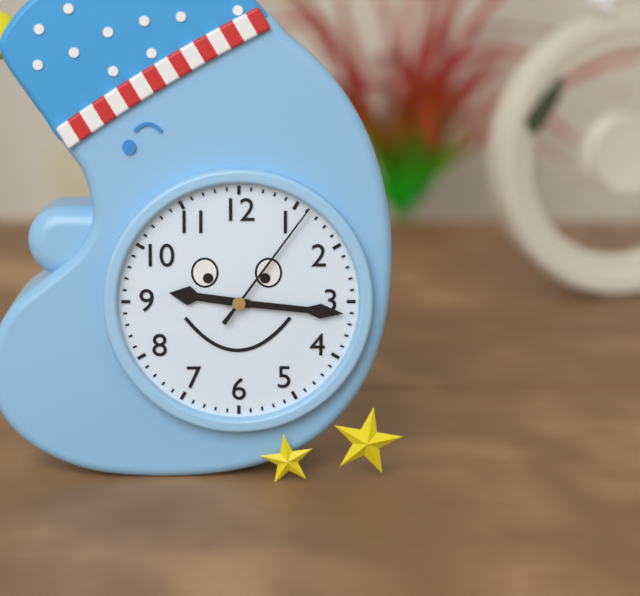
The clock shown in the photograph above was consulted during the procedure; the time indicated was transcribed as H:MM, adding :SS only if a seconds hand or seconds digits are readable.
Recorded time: 9:16:06
